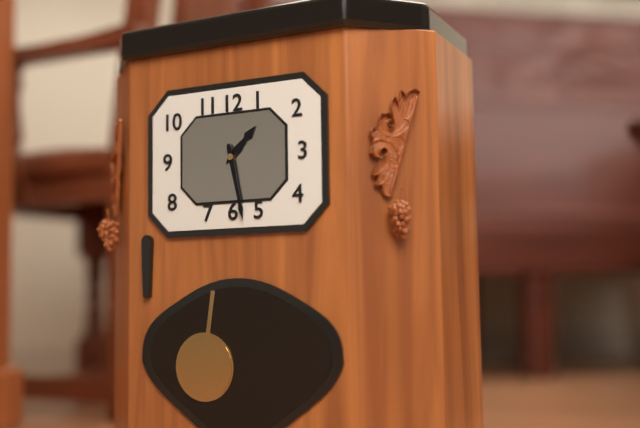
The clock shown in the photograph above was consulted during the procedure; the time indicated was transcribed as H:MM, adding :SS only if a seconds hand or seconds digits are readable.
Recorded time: 1:28
